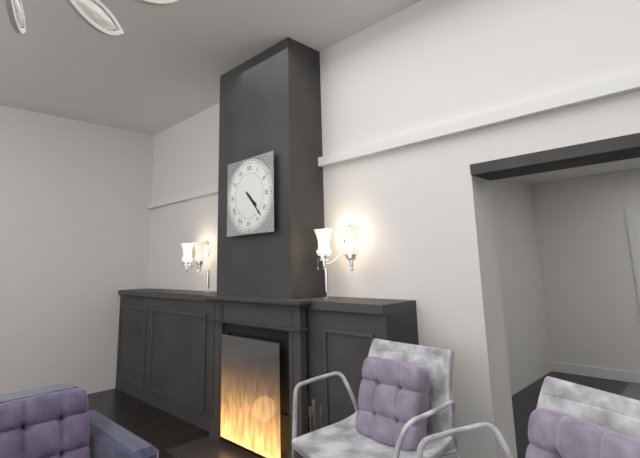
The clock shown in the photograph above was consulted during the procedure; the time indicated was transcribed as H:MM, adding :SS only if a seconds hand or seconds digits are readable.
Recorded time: 4:23
